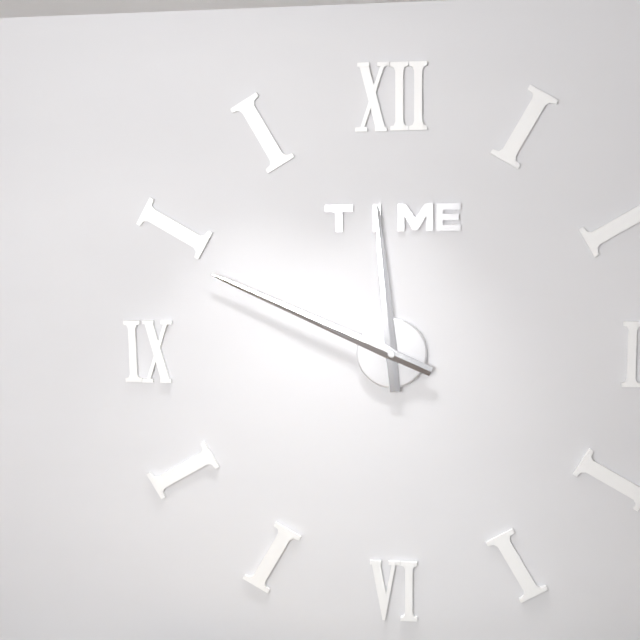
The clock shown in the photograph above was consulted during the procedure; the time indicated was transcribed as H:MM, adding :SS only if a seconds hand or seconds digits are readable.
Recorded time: 11:49
